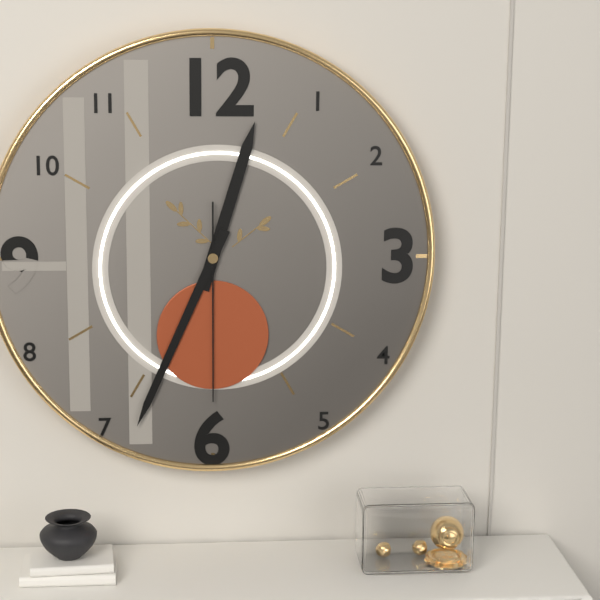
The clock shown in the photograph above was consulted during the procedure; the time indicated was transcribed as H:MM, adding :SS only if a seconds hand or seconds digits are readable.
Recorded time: 12:34:30
